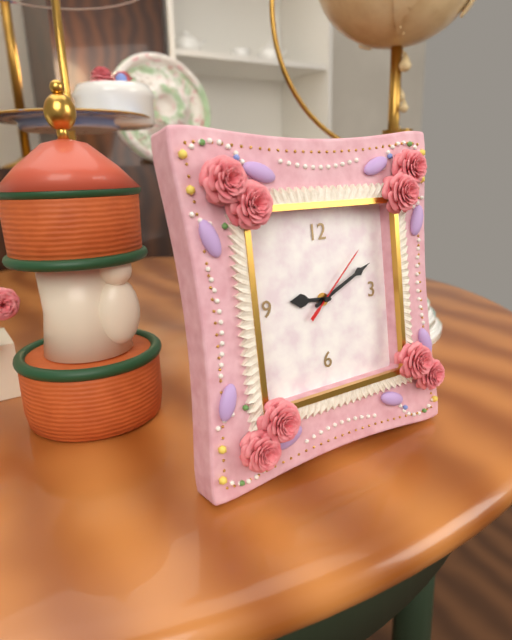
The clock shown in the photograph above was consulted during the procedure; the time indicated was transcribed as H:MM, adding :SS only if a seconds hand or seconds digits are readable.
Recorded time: 9:11:08
